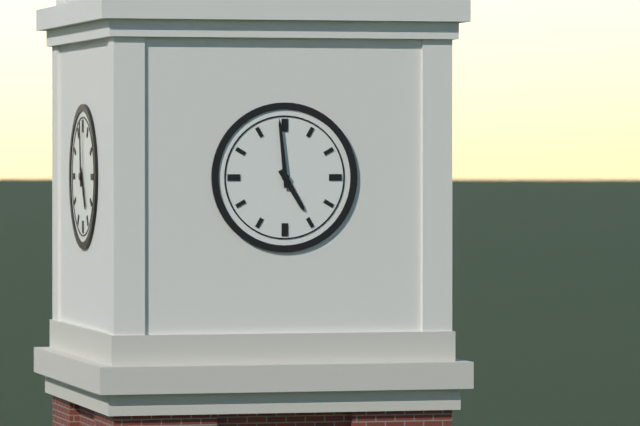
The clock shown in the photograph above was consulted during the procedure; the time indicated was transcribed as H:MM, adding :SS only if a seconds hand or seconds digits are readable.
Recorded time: 4:59
